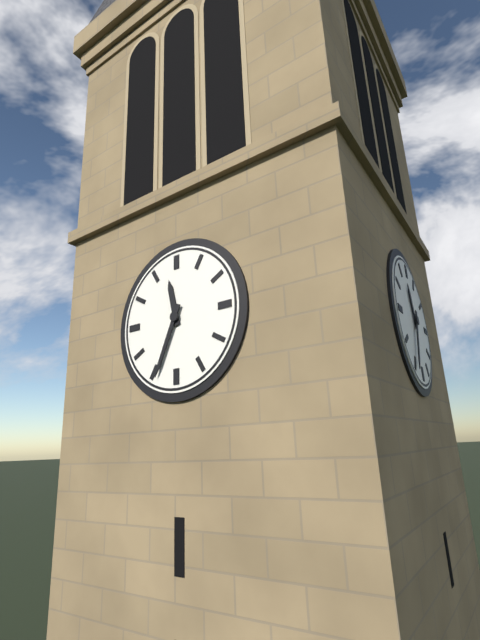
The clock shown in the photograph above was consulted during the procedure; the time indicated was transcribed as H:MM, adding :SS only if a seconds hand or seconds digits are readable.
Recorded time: 11:34
